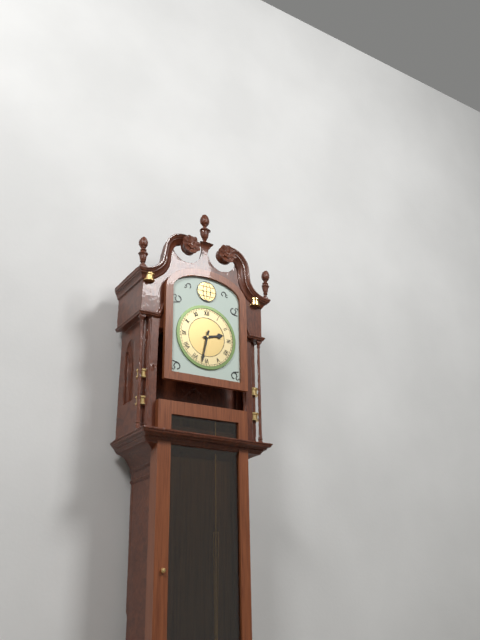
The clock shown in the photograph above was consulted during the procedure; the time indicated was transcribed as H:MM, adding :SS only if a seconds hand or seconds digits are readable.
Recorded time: 2:32
